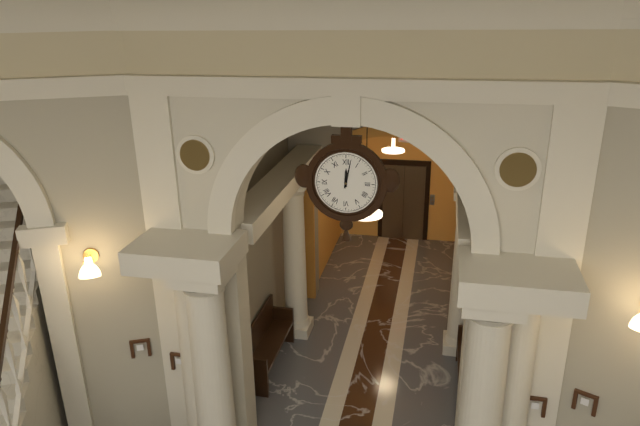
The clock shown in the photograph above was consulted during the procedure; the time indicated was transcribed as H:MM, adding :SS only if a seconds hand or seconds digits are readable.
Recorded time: 12:02
